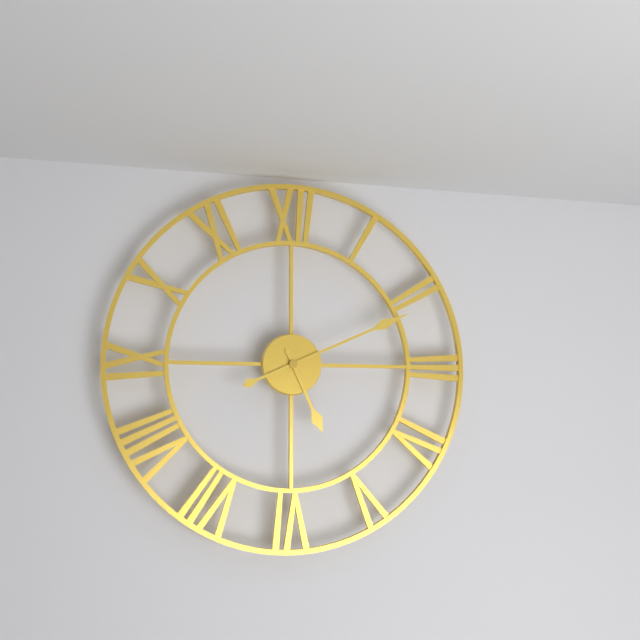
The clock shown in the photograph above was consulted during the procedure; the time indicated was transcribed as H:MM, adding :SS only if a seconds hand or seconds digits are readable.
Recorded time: 5:11
